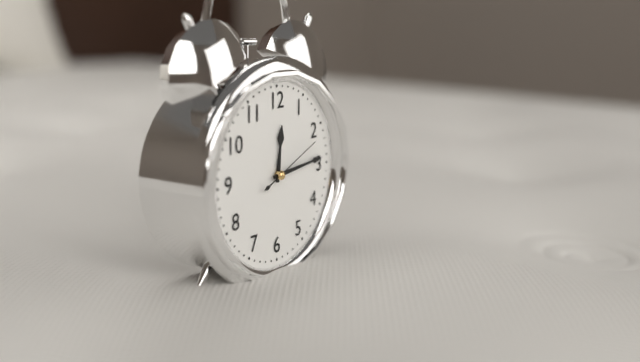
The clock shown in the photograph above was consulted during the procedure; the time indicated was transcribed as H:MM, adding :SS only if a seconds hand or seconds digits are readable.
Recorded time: 12:14:11
